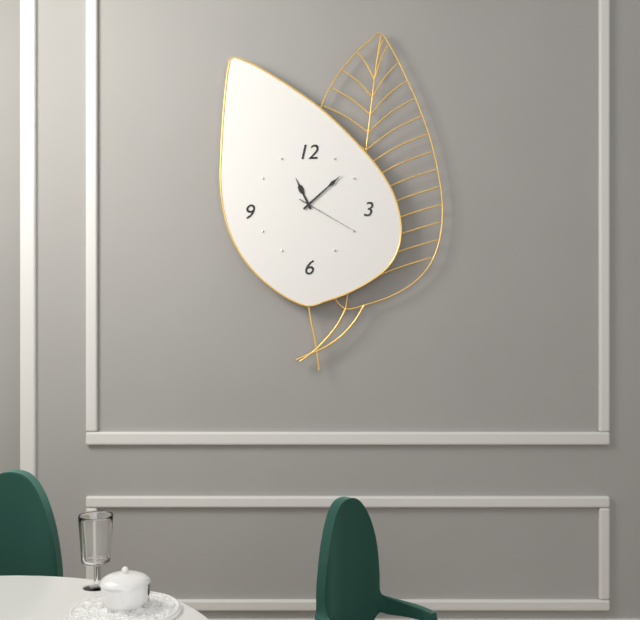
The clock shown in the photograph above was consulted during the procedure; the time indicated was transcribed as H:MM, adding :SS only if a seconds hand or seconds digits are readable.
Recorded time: 11:08:20
